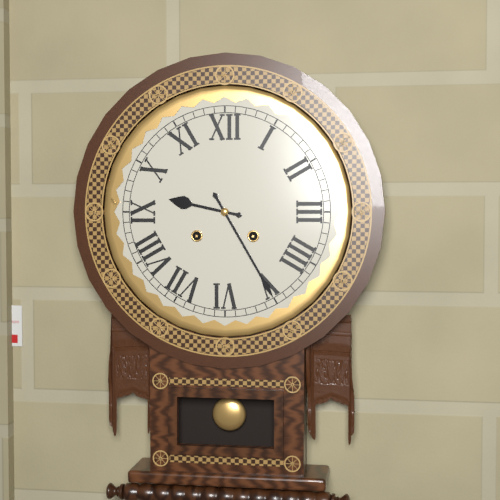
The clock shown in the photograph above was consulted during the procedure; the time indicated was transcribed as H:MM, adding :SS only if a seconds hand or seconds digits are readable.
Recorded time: 9:25
